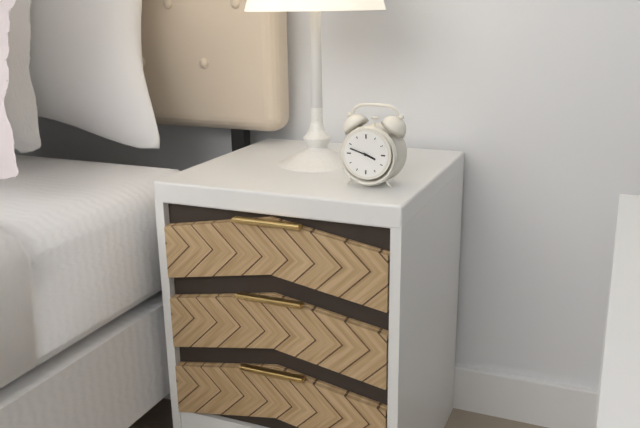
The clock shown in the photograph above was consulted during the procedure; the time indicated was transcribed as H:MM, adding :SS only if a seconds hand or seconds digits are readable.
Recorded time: 3:48
